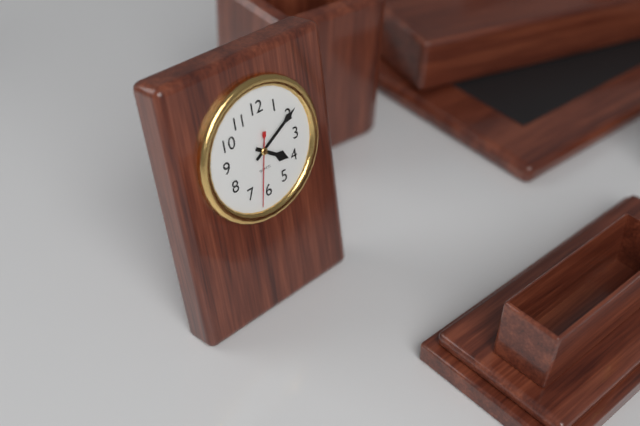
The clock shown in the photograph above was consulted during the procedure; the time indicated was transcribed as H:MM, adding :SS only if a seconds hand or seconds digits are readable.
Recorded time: 4:10:32
